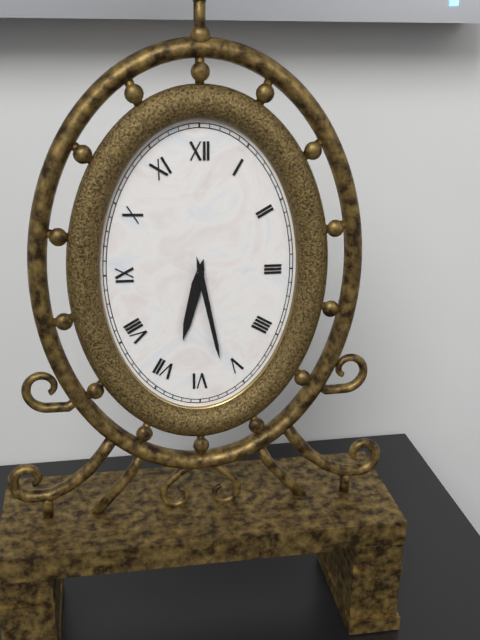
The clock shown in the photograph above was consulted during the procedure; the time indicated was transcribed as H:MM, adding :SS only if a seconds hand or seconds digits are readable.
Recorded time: 6:28
